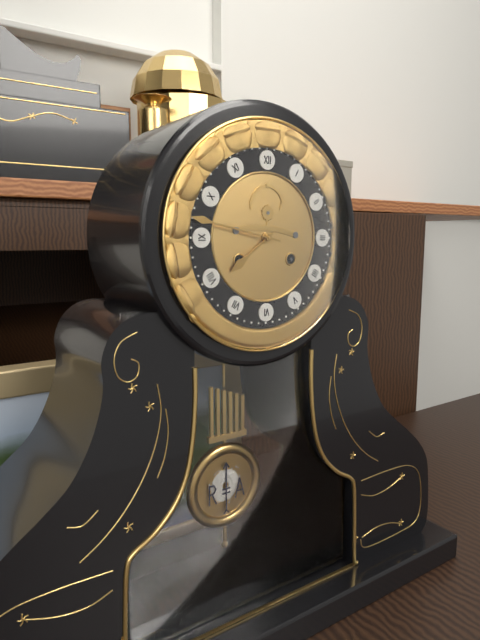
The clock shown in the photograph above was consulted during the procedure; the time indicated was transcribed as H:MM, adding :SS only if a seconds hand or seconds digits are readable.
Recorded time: 7:47
